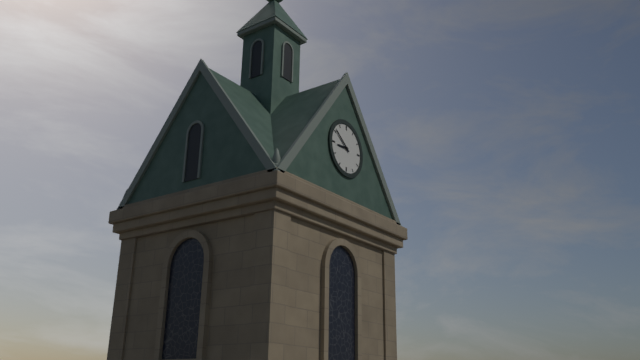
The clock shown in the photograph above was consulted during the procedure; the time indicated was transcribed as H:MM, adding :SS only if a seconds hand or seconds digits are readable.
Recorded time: 8:51
